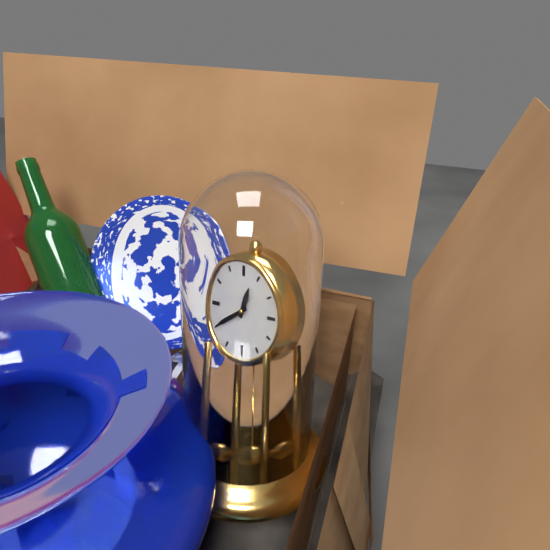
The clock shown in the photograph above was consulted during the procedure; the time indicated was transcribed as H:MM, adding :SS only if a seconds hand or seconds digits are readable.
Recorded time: 12:40
